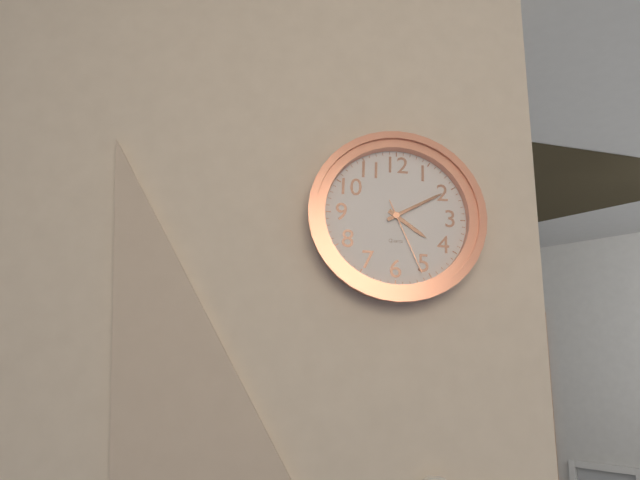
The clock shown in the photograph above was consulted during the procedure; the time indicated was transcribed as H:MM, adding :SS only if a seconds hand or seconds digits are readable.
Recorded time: 4:10:26
